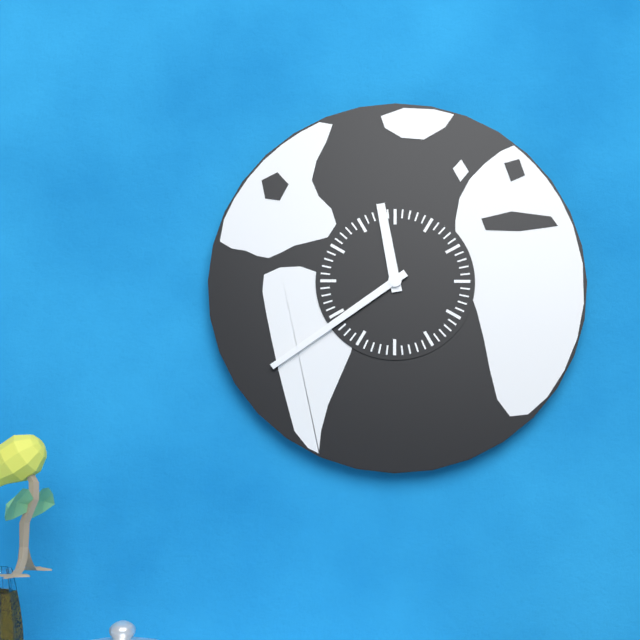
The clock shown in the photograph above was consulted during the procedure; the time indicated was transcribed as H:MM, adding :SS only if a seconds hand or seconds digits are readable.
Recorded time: 11:39
